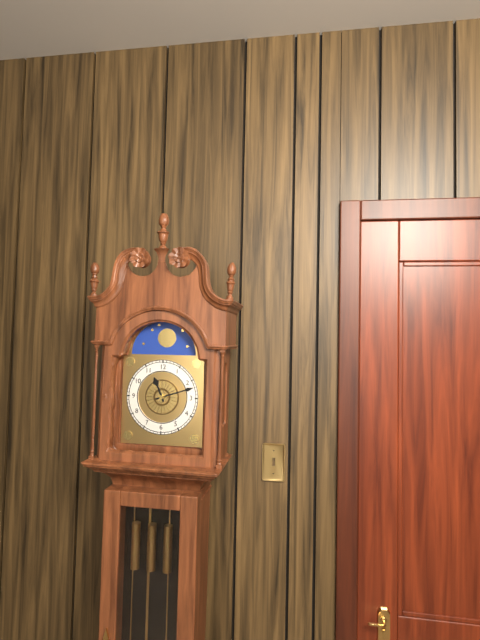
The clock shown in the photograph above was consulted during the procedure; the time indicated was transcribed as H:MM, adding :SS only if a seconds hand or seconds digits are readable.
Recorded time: 11:12
